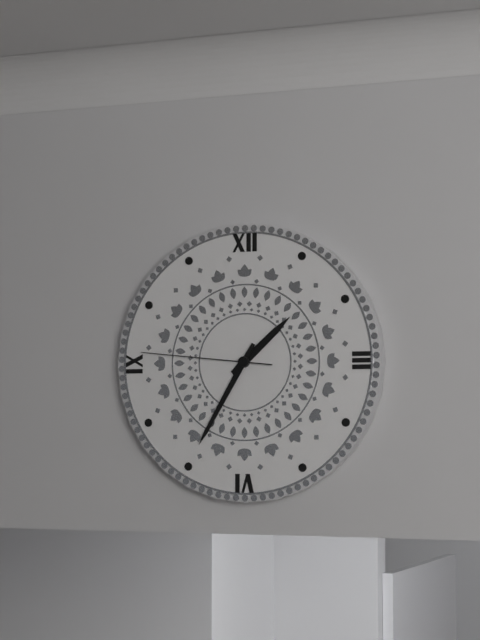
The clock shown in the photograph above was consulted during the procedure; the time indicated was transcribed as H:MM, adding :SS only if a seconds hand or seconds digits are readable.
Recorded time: 1:35:46
